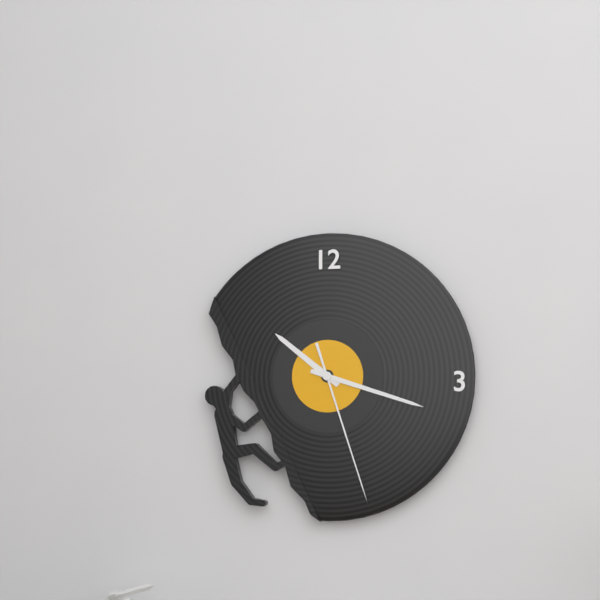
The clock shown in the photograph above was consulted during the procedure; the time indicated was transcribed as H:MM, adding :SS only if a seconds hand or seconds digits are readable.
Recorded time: 10:18:27
